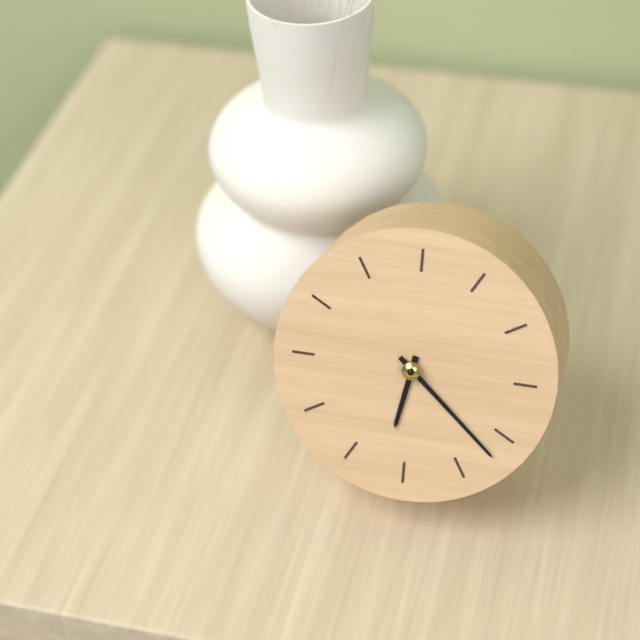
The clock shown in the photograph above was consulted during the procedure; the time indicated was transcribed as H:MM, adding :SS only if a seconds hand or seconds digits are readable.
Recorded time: 6:22
